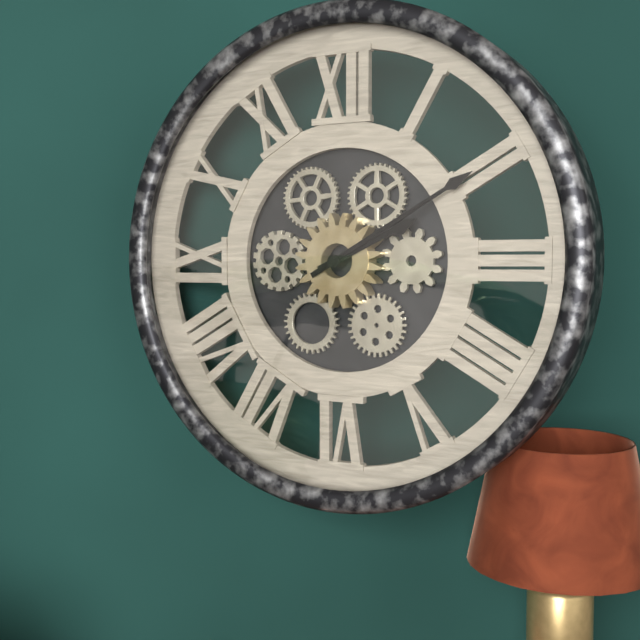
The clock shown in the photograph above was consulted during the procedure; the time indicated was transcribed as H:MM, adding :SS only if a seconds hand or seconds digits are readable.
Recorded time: 2:10
